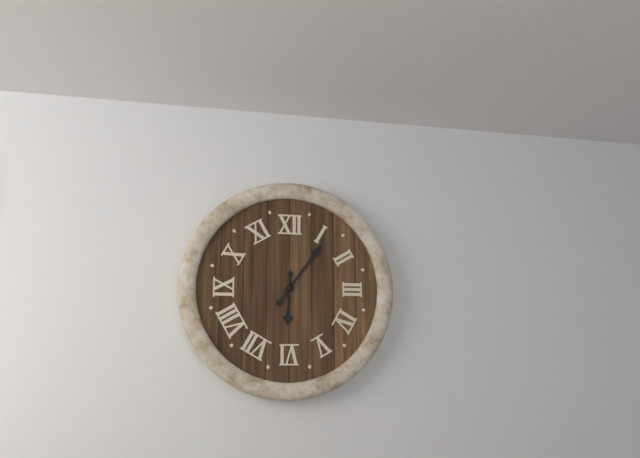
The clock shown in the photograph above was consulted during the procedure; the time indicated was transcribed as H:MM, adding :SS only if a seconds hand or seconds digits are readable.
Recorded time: 6:06
